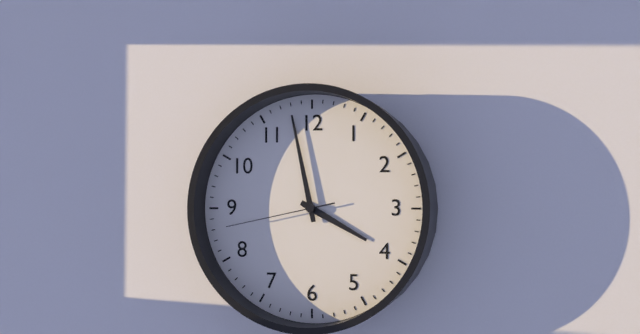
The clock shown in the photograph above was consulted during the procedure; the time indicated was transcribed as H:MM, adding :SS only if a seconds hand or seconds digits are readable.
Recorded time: 3:58:43
